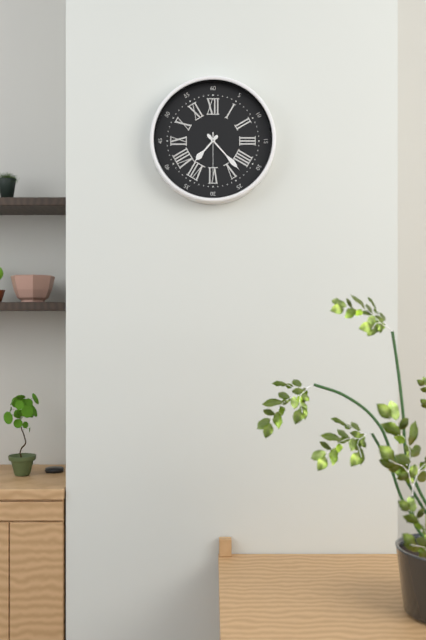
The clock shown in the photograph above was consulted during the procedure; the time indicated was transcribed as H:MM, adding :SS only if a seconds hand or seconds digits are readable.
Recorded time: 7:23
